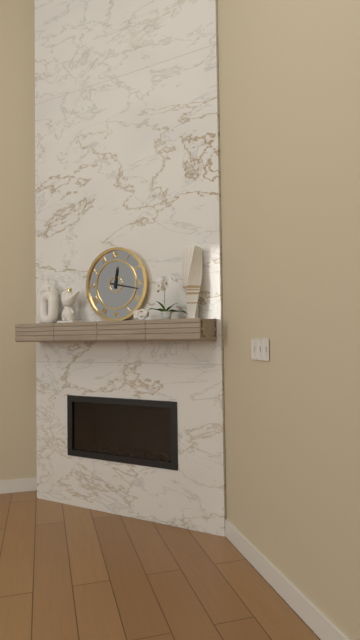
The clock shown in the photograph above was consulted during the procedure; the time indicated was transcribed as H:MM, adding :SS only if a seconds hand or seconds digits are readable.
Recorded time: 12:17
